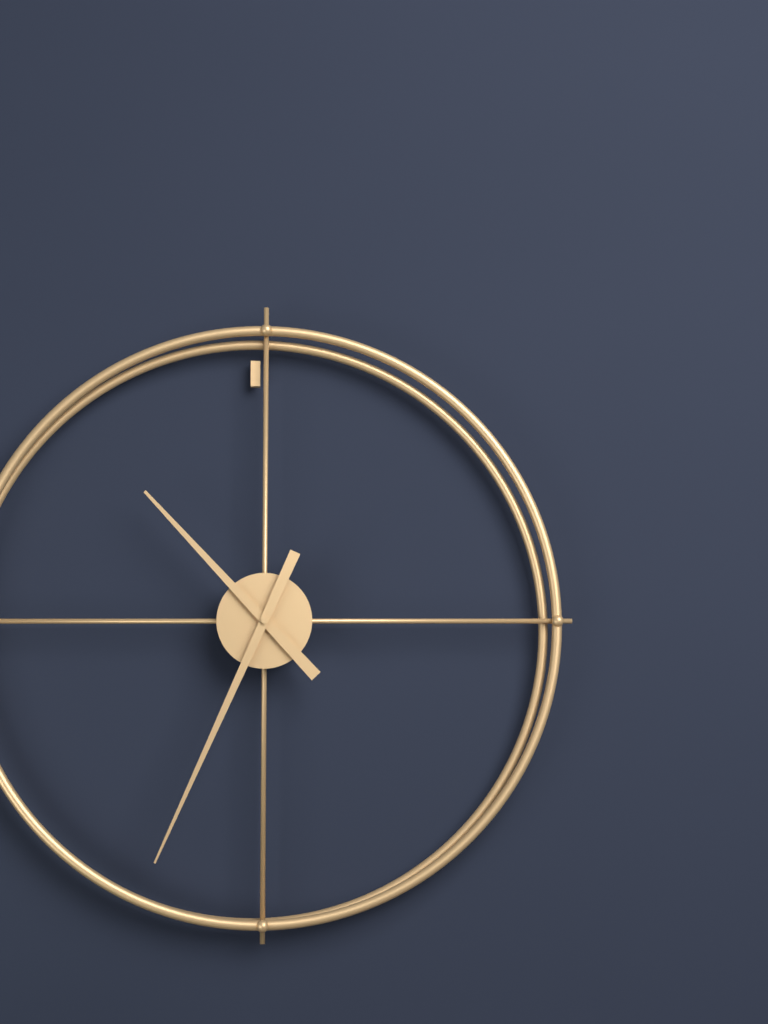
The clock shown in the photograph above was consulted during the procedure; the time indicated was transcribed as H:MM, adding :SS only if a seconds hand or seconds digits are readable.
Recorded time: 10:34
